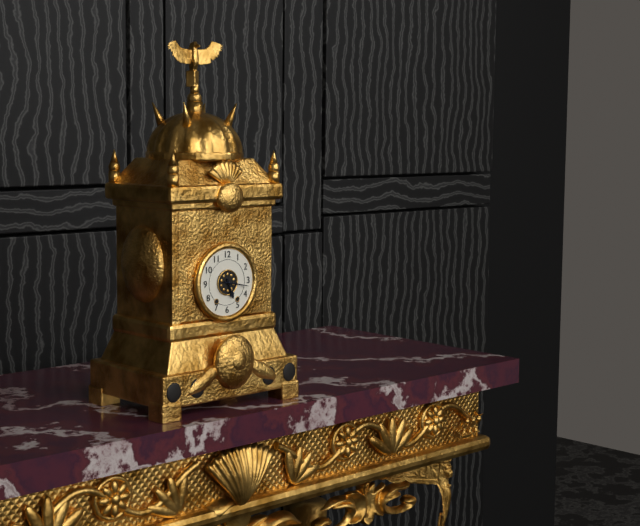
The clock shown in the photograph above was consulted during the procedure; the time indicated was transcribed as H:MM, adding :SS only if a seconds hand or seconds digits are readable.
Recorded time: 5:17
